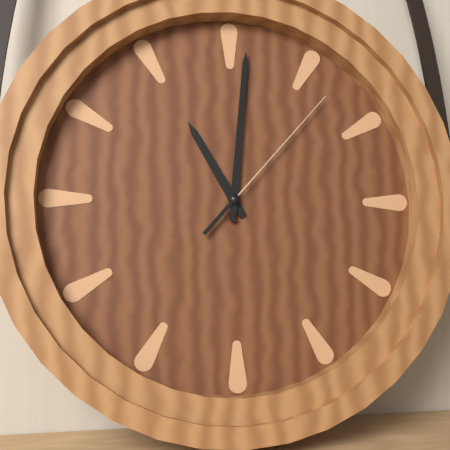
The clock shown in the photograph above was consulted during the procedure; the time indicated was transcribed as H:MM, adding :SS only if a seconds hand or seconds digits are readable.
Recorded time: 11:01:07
